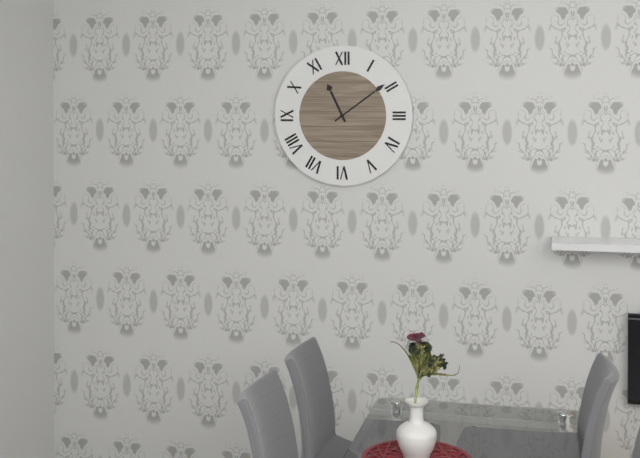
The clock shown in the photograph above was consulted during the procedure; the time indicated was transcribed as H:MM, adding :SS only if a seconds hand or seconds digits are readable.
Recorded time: 11:09
